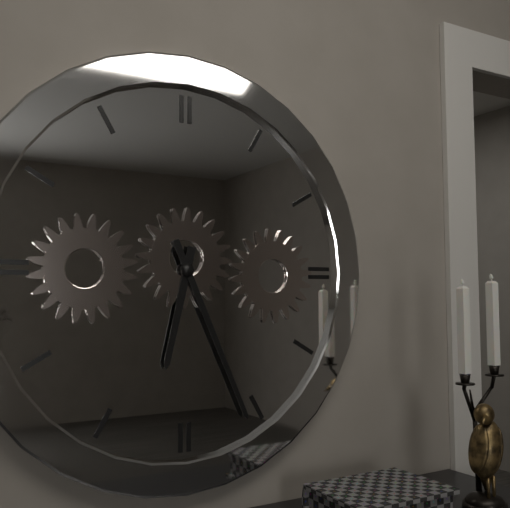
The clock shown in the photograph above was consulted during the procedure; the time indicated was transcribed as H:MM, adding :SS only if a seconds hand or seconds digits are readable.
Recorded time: 6:26
